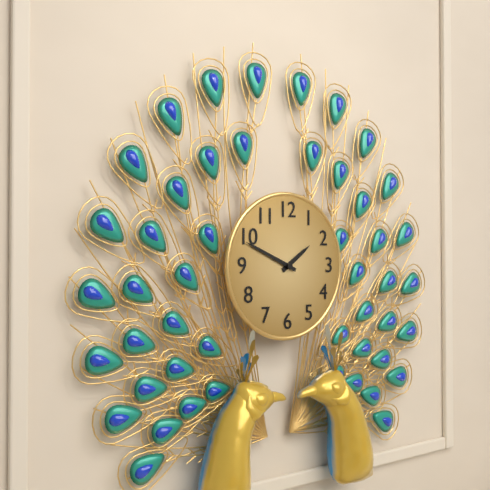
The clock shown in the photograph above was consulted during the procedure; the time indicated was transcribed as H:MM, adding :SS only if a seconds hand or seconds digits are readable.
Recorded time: 1:49
